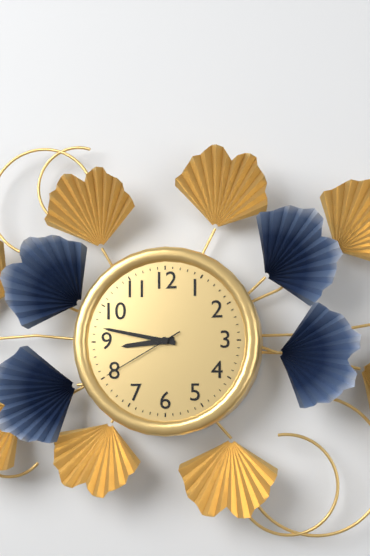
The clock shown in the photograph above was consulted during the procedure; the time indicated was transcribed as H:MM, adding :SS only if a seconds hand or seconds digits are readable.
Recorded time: 8:47:40
